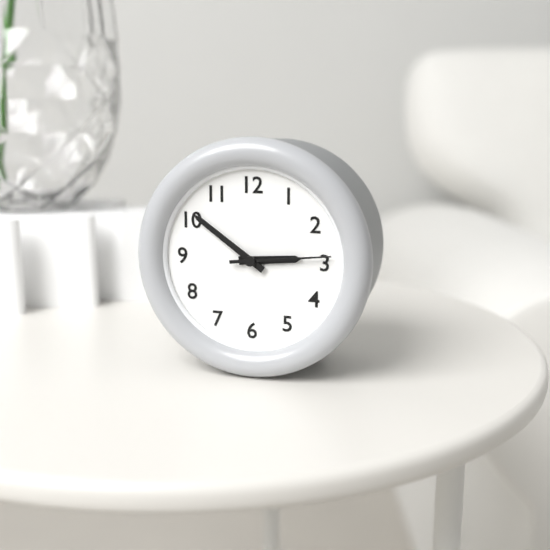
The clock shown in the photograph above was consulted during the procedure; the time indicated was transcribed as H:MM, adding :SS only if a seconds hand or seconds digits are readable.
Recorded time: 2:51:14
